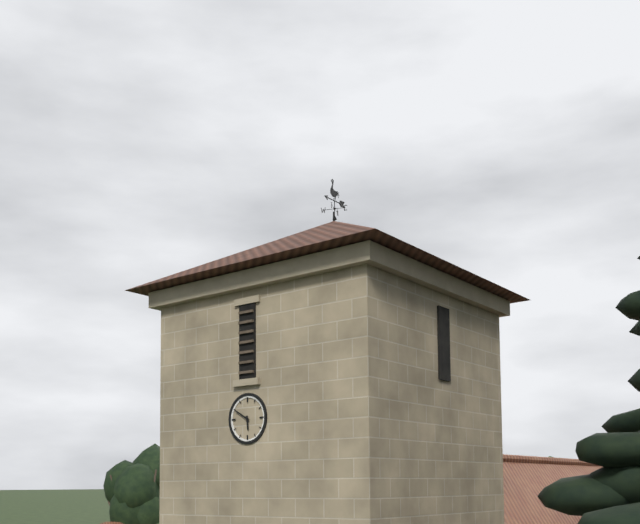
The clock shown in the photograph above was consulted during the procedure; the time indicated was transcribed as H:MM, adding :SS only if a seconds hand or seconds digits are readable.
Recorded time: 5:50
